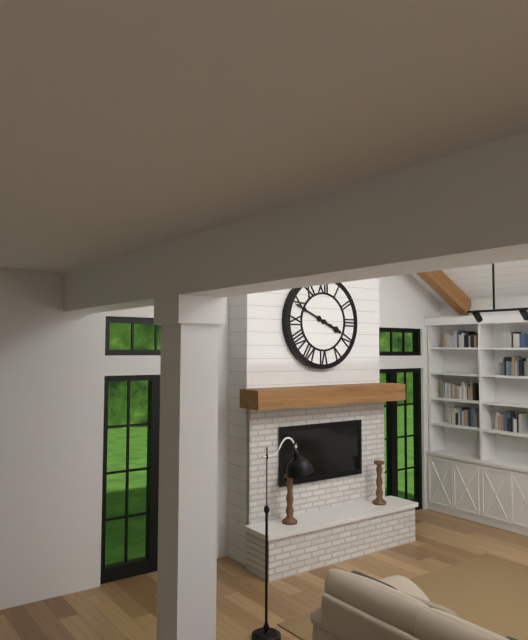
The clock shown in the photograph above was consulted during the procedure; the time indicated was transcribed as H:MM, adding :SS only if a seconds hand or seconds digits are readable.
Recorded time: 3:49
